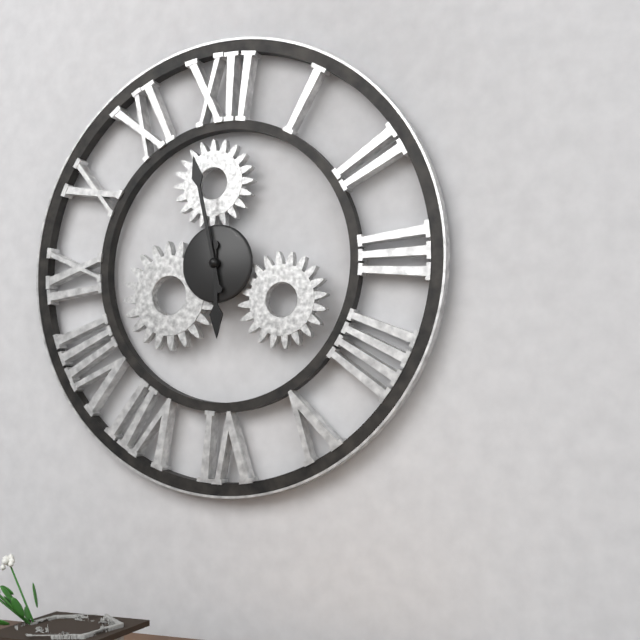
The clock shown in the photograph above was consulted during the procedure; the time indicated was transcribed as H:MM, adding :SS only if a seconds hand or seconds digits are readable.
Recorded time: 5:58
